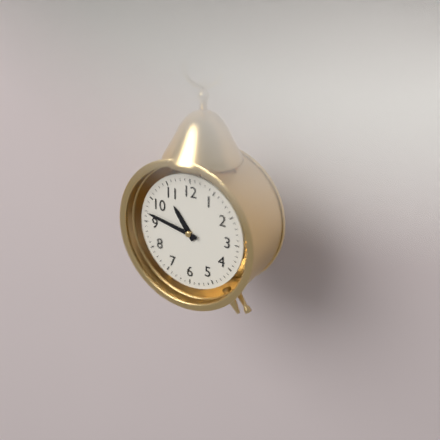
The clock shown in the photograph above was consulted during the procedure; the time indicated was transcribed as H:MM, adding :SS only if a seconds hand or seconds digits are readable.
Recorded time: 10:47
